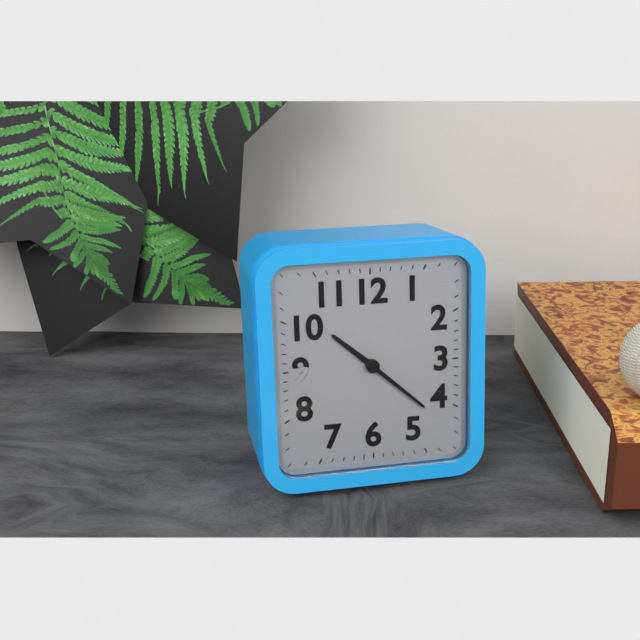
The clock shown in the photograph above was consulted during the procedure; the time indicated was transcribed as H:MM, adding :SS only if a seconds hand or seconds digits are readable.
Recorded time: 10:22
